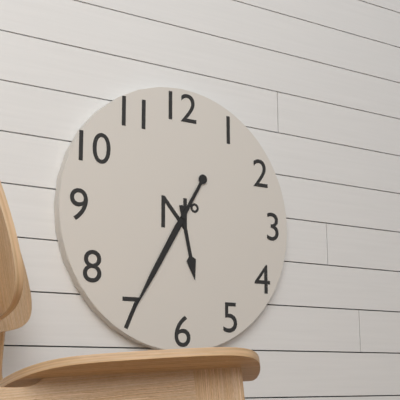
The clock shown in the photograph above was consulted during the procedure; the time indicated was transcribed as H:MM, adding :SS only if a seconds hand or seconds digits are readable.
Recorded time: 5:35
